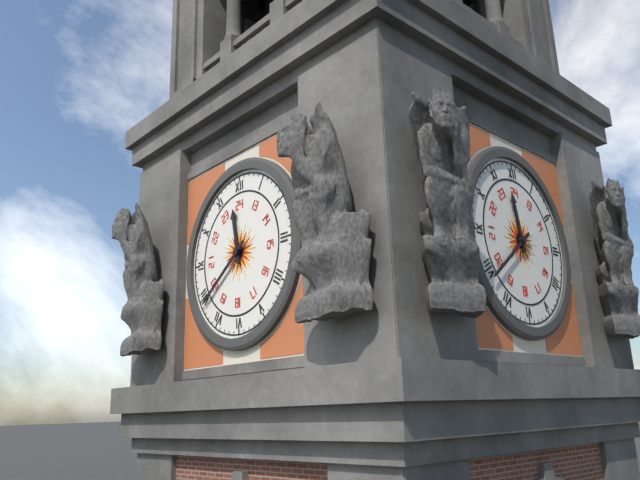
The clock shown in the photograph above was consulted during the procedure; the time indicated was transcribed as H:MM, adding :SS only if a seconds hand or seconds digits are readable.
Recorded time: 11:39
